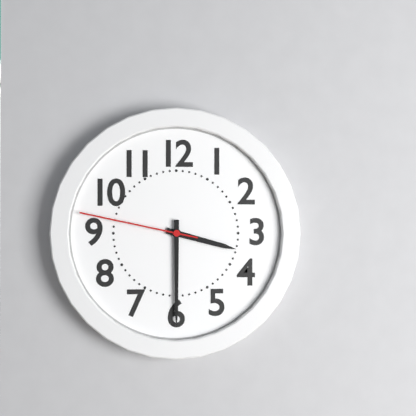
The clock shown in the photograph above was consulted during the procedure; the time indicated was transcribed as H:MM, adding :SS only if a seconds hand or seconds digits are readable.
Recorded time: 3:30:47
